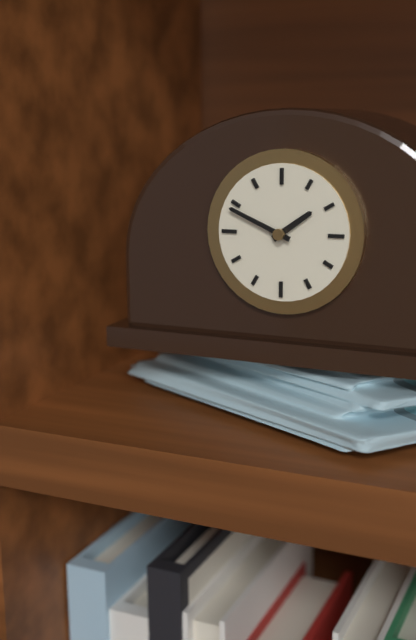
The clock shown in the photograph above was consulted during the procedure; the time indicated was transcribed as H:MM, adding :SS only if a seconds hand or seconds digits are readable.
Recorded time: 1:49
